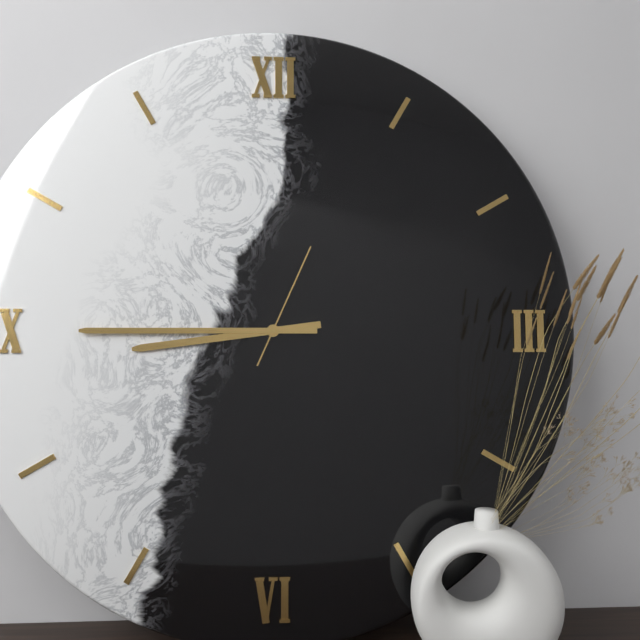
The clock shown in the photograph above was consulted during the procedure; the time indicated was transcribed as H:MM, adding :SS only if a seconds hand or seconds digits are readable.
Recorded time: 8:45:04
